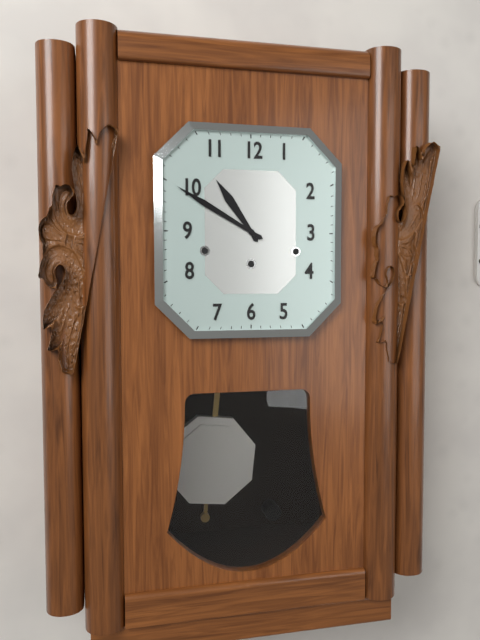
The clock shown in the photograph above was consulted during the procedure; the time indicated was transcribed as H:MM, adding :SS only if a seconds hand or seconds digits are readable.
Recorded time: 10:50
